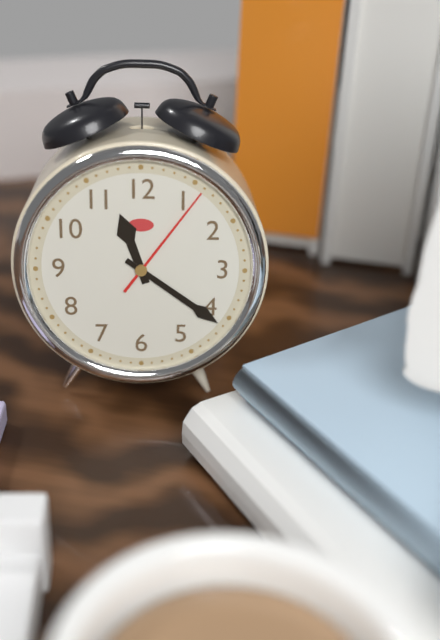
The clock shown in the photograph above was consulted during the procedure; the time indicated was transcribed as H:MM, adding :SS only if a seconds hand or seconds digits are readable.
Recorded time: 11:21:06
